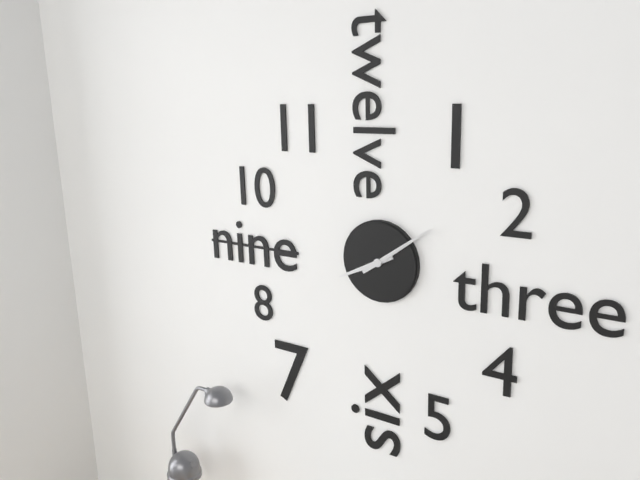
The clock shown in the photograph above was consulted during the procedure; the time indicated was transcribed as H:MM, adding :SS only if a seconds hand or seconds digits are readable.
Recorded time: 8:09
